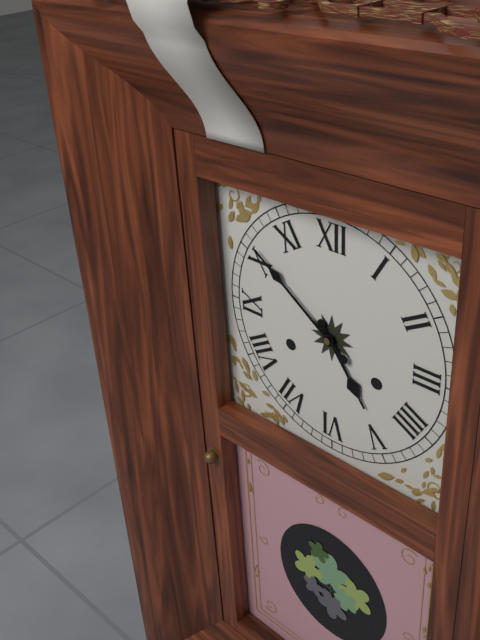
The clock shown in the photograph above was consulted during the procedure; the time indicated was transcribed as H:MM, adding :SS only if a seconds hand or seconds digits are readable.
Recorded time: 4:51
